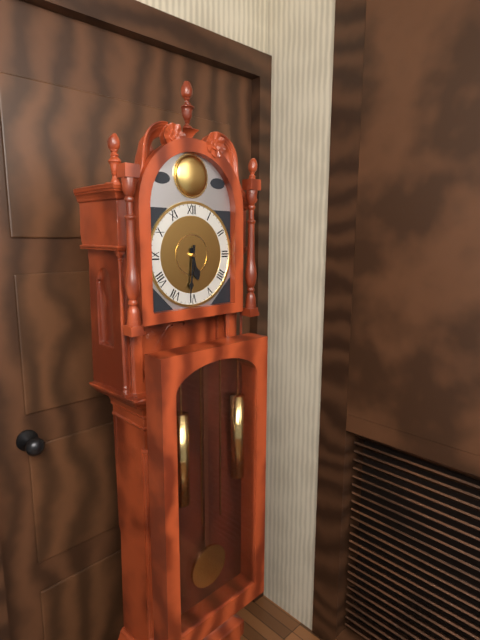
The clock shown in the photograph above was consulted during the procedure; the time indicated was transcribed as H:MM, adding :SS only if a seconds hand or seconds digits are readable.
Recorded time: 5:31
